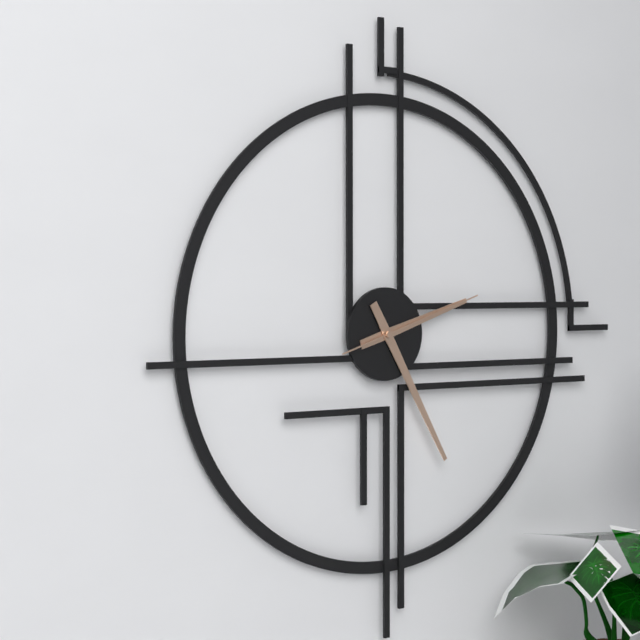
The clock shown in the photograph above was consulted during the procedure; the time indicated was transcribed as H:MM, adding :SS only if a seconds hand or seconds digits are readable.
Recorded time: 2:25:12
